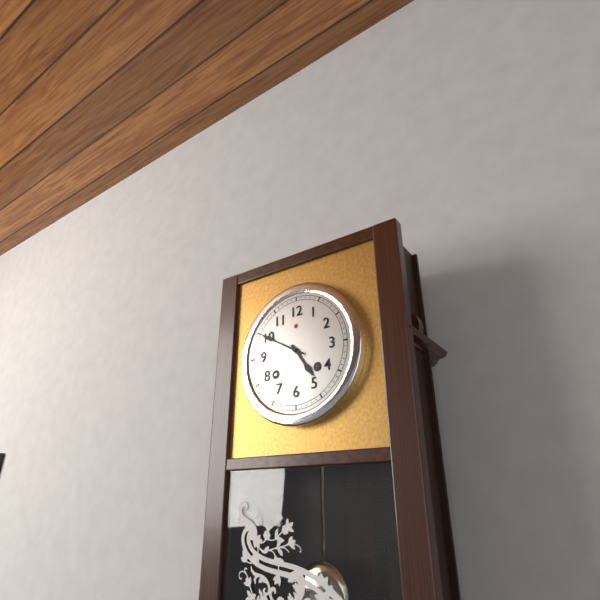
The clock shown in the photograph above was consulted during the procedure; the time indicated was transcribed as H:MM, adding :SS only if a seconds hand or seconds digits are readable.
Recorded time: 4:50
